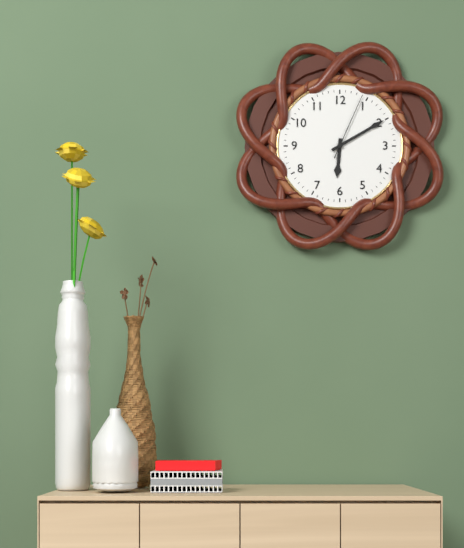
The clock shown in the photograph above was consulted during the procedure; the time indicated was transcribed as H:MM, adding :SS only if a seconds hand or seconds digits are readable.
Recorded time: 6:10:04
